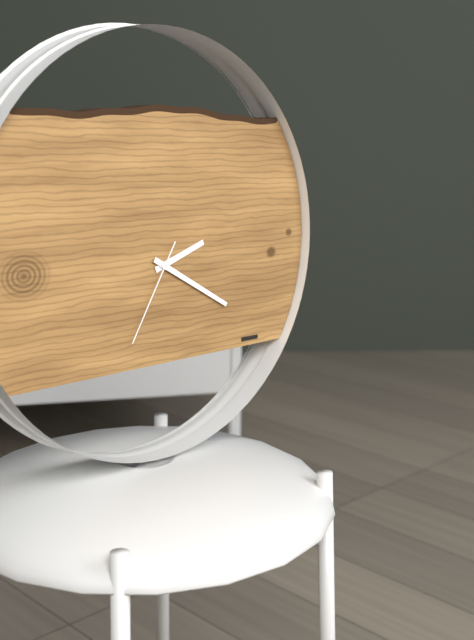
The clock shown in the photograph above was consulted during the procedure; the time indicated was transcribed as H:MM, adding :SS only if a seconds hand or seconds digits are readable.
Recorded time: 2:20:35
